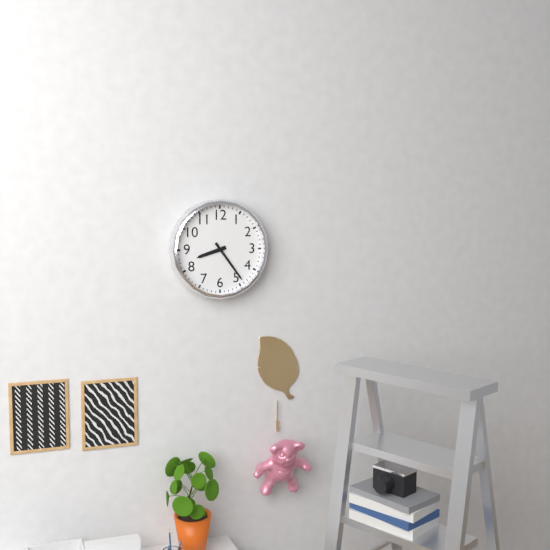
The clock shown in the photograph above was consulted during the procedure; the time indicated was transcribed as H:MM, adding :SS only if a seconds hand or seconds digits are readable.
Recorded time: 8:24
